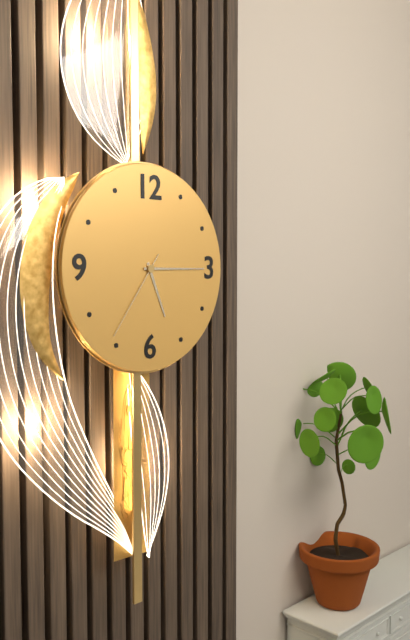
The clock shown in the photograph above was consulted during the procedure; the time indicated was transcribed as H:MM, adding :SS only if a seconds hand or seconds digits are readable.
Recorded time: 5:15:36
